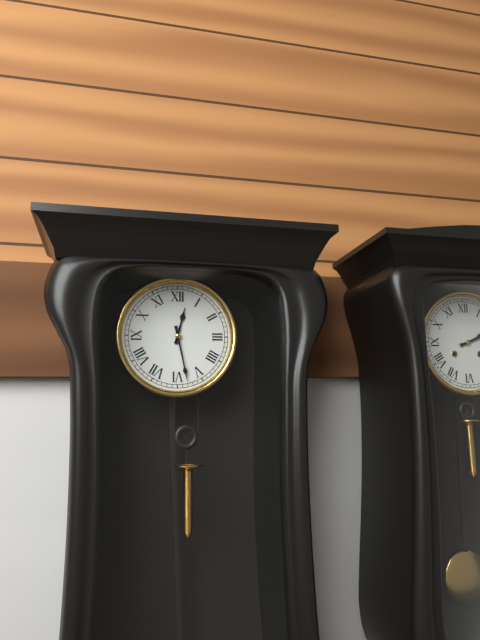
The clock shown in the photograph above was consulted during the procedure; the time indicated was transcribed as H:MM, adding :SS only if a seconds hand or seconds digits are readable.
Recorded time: 12:28
